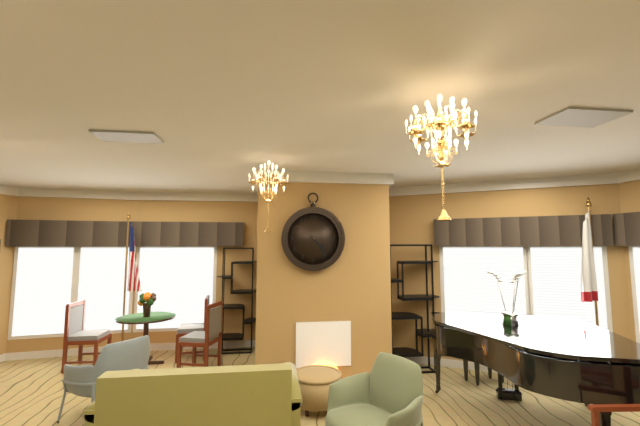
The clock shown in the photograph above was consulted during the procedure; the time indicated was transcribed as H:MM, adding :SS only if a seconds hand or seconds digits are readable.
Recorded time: 4:24
